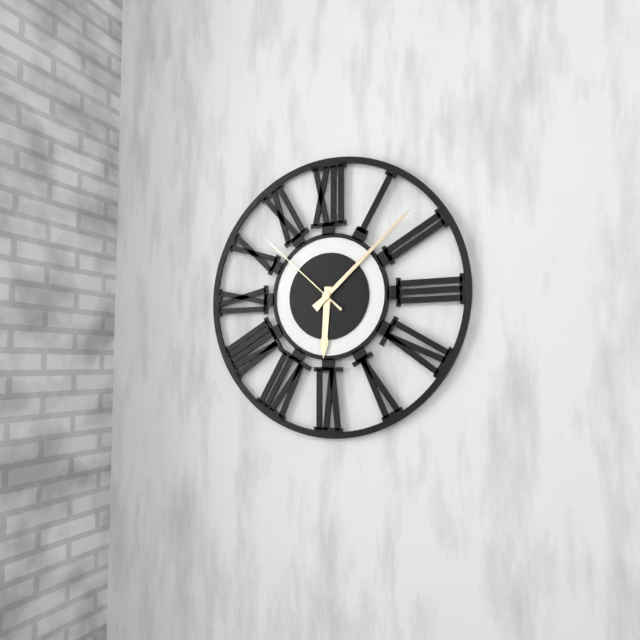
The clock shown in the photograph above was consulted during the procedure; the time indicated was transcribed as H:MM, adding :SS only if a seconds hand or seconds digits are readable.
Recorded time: 6:08:52
